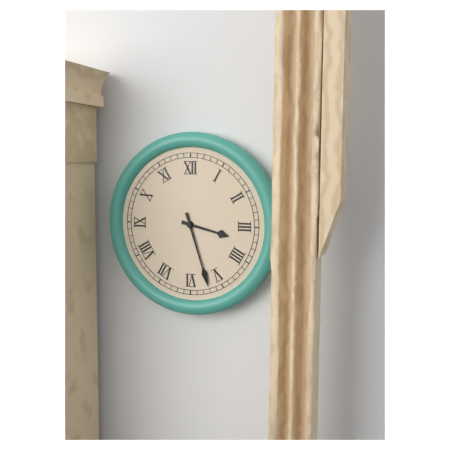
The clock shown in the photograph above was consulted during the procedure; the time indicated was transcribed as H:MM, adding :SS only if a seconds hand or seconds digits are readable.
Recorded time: 3:27
